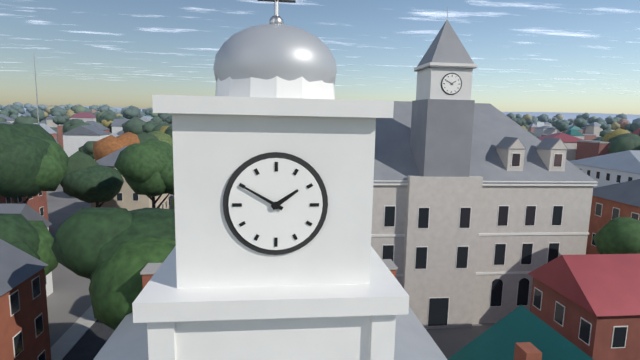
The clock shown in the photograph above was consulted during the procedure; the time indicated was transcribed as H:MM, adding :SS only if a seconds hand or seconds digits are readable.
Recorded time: 1:50
